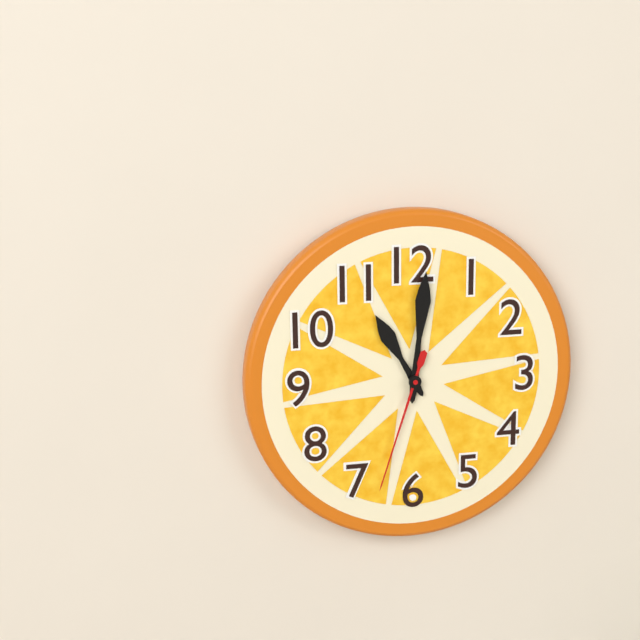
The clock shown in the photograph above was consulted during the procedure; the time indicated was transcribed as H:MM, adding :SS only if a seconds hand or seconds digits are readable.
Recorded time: 11:01:33
